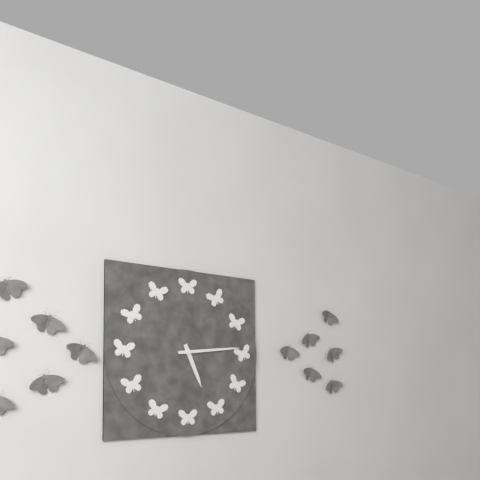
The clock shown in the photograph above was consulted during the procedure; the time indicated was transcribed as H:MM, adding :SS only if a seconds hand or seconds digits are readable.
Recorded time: 5:14
